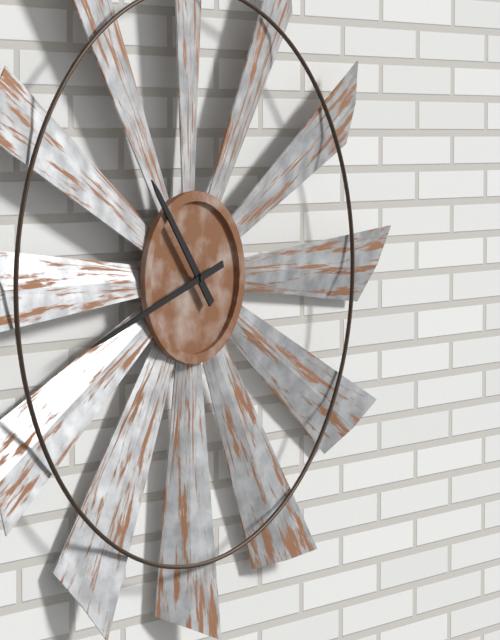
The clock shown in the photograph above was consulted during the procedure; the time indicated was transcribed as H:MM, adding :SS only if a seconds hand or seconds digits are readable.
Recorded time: 10:42
